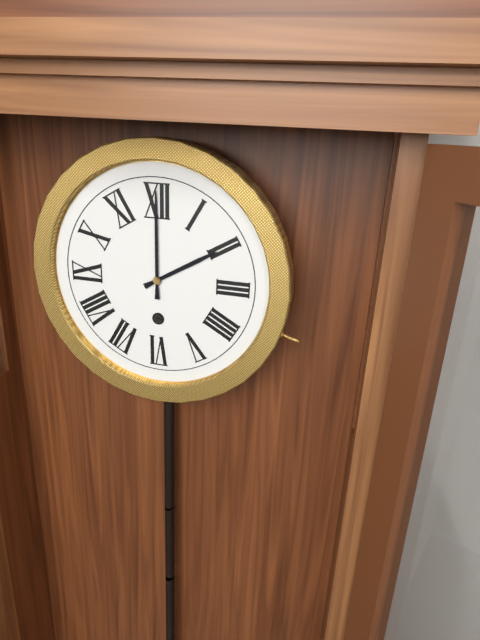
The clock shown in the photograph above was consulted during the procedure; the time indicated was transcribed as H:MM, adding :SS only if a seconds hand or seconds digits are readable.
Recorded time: 2:00
